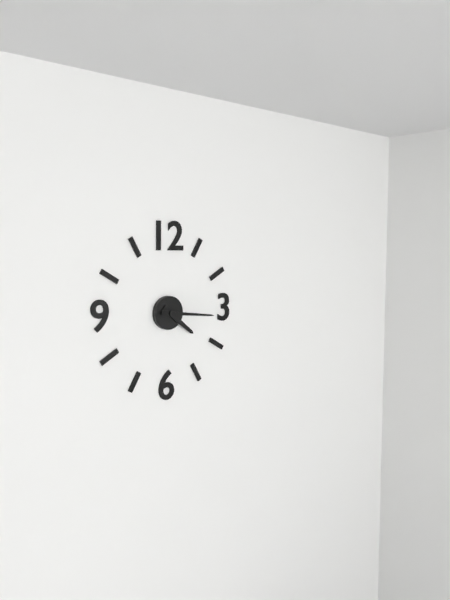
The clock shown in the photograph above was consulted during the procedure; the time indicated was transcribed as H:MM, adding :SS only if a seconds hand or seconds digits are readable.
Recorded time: 4:16
